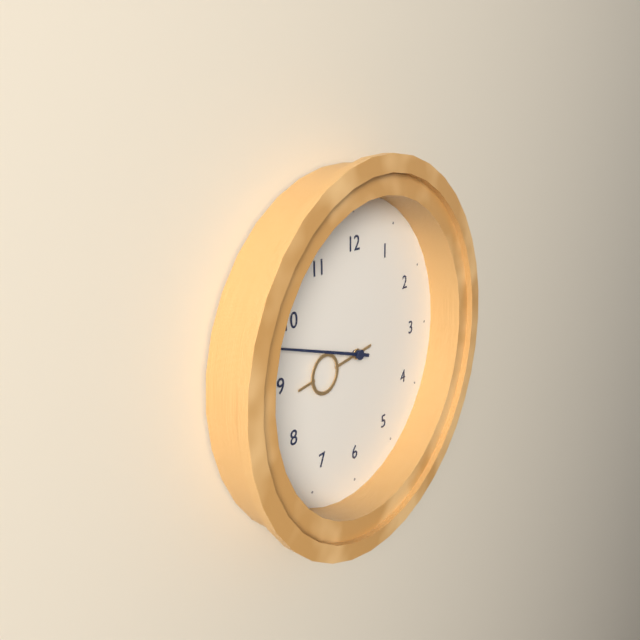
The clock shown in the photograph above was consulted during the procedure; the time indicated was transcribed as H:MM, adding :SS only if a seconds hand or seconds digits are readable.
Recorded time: 8:48
